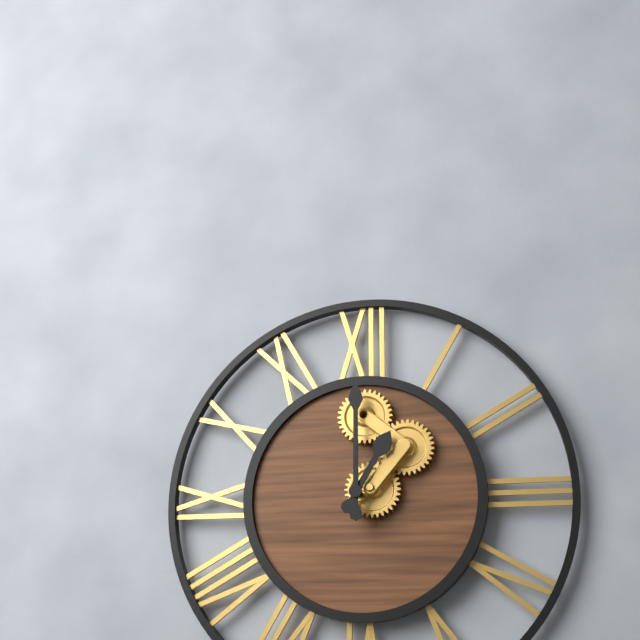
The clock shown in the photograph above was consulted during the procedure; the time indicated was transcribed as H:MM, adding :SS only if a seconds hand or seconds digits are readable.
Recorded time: 1:00
